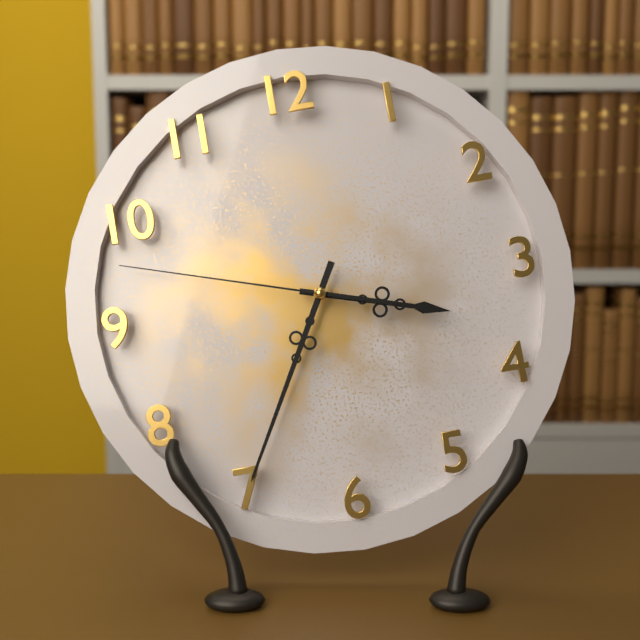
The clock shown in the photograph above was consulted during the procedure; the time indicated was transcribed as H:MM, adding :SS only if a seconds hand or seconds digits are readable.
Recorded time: 3:35:48
